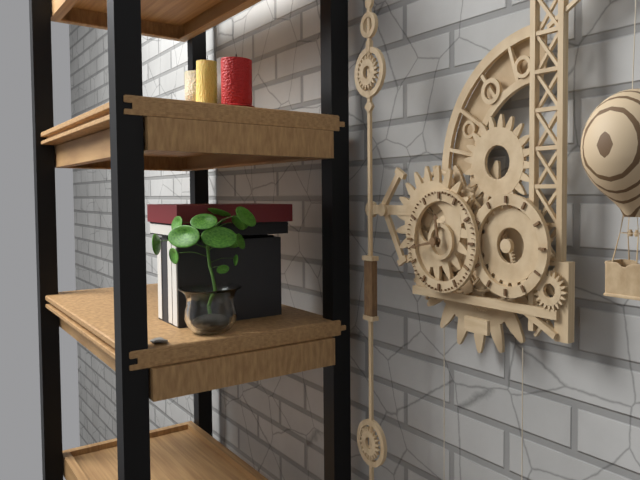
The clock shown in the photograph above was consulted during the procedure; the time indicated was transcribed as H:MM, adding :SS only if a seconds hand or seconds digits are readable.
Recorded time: 11:43
